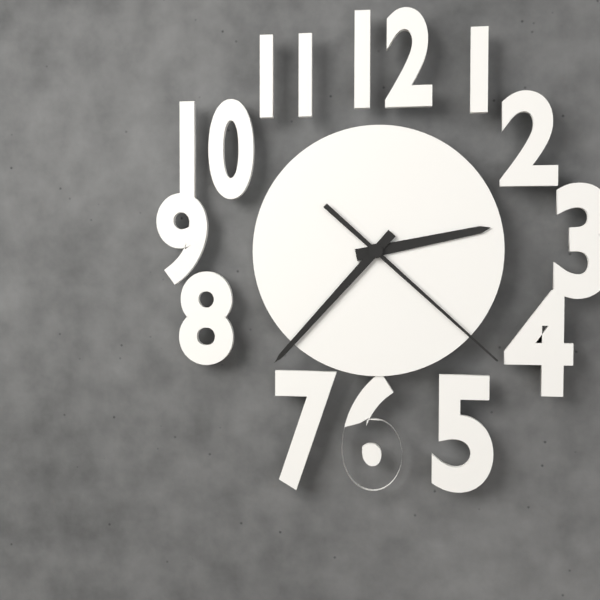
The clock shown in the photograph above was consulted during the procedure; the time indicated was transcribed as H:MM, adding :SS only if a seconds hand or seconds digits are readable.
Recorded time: 2:37:22
